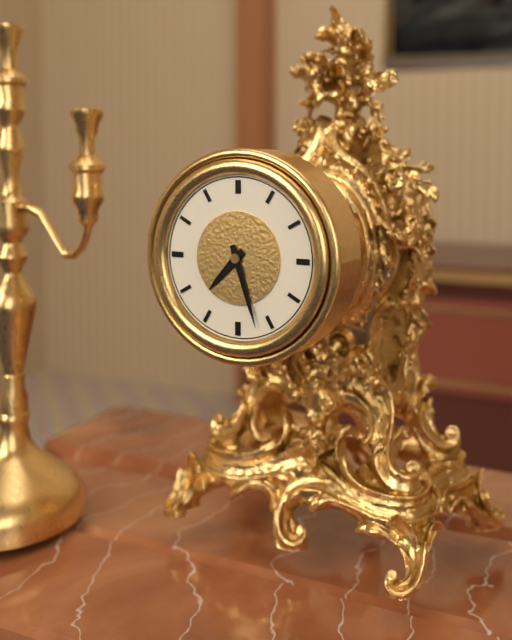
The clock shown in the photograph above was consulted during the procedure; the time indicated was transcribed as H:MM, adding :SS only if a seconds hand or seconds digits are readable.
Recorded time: 7:27
